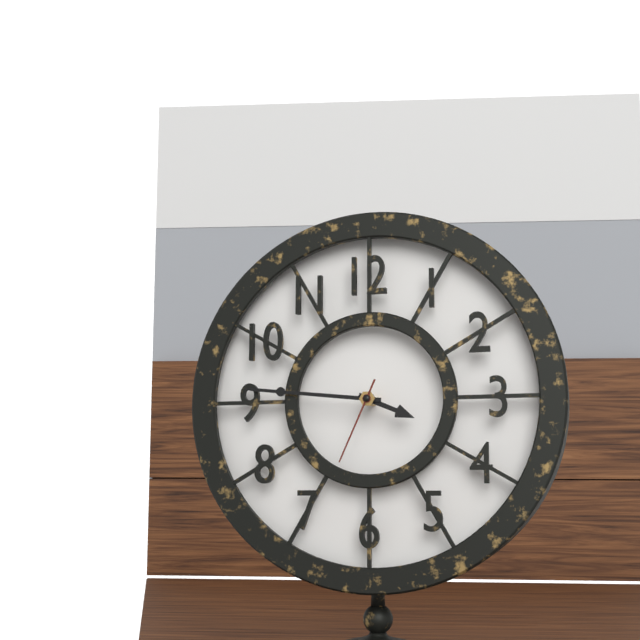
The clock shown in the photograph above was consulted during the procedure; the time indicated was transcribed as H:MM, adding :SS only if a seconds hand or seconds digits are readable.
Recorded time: 3:46:34
